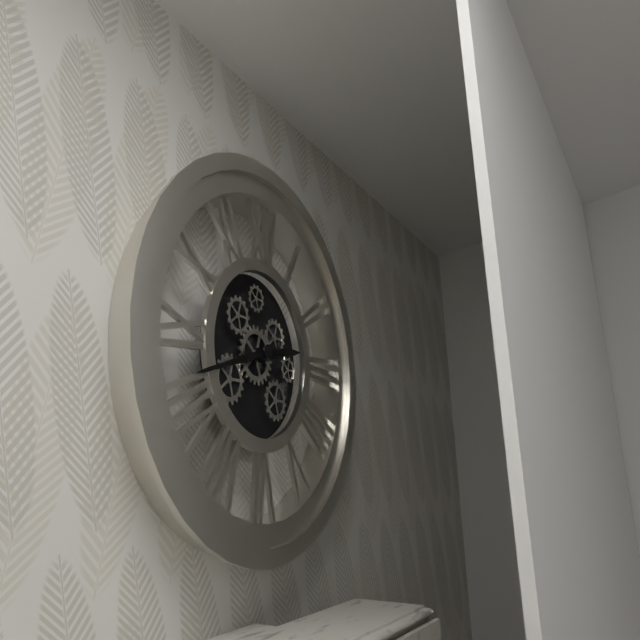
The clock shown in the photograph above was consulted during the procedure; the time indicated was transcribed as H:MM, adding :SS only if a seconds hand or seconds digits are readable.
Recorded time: 2:42
